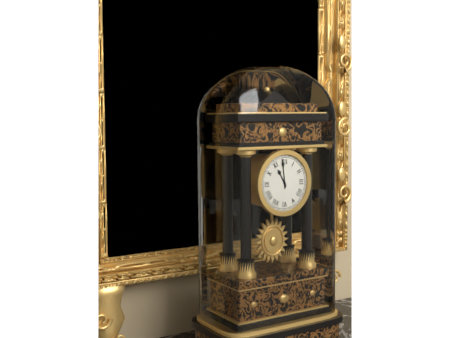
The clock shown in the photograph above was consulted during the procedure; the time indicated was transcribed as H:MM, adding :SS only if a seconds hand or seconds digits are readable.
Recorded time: 10:59
